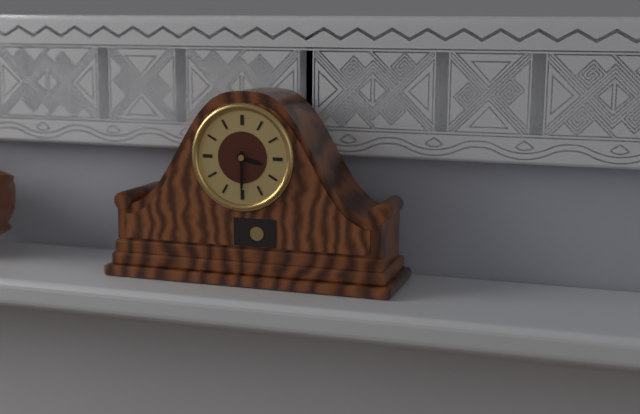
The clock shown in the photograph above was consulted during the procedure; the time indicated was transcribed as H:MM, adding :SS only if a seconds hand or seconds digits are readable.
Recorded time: 3:30
